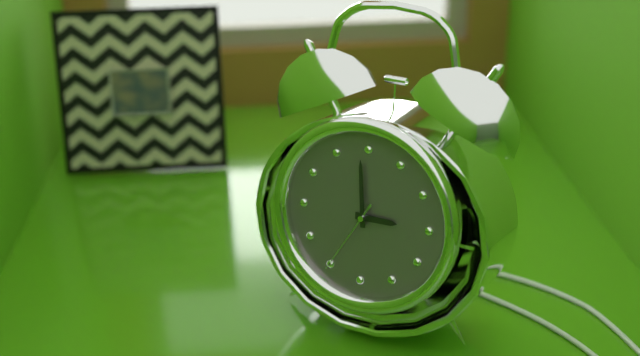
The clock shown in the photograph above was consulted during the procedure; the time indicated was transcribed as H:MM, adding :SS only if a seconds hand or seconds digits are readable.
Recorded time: 2:59:35
